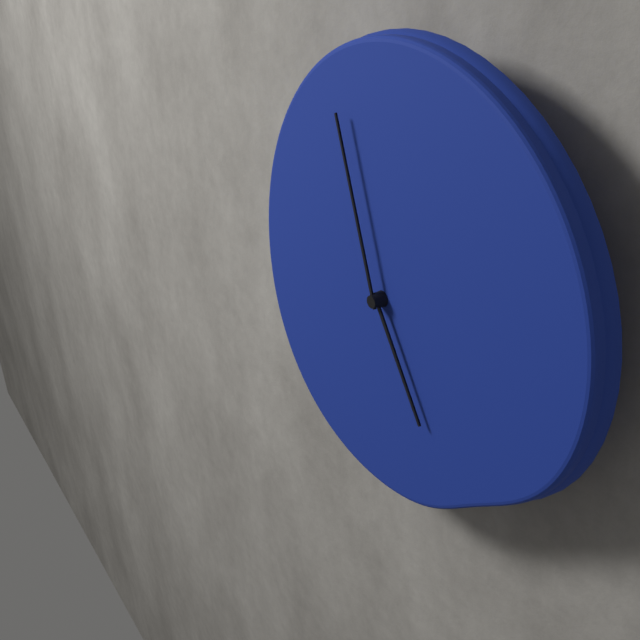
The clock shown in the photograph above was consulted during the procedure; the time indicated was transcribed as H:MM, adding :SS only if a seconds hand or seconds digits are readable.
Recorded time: 4:57
